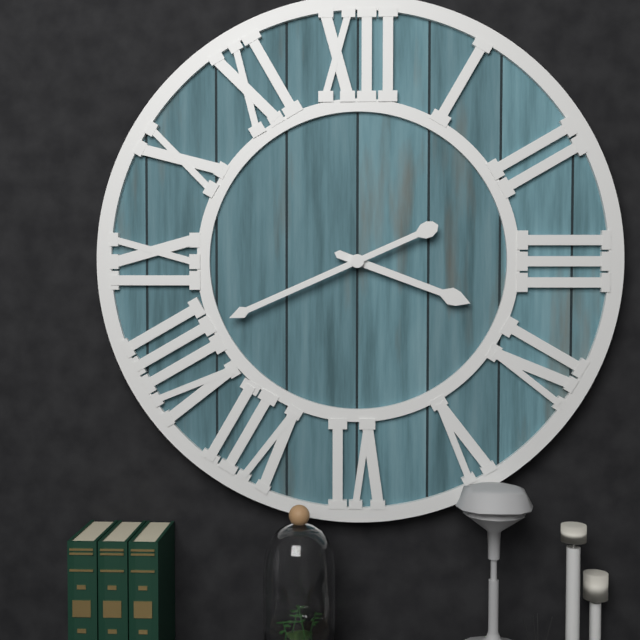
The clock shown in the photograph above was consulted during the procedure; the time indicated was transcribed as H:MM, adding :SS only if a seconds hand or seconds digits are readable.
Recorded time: 3:41
